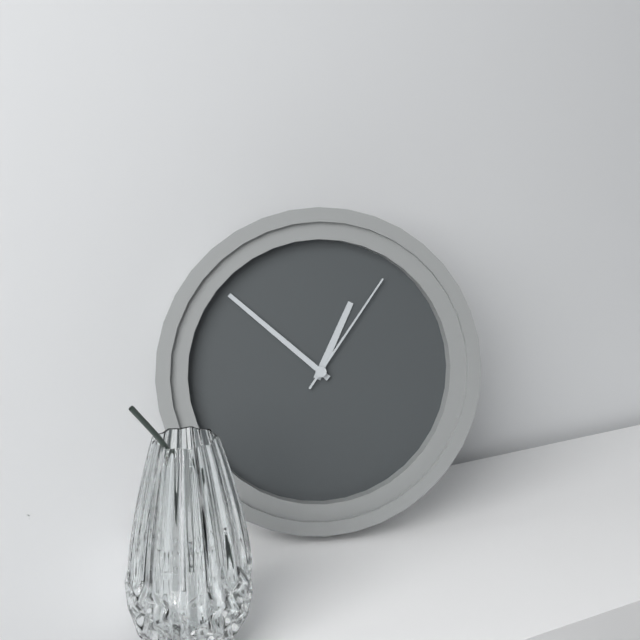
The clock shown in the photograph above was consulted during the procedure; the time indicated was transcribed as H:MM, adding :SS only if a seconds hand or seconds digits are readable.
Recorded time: 12:52:06
